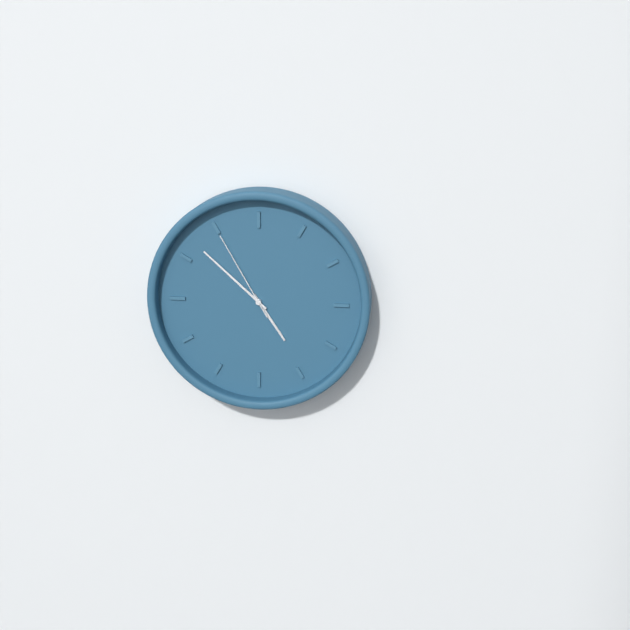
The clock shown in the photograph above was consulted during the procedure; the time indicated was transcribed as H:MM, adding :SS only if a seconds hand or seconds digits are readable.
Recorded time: 4:52:55
